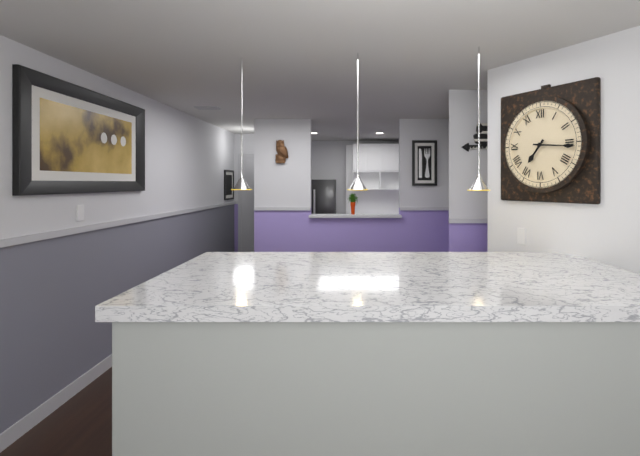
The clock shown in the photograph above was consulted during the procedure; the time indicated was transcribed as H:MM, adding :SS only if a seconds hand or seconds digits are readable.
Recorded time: 7:16
